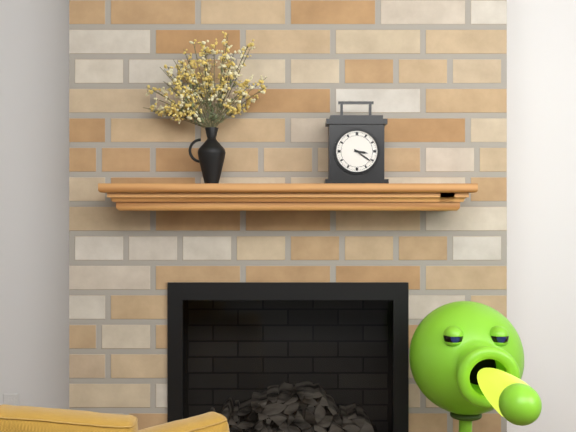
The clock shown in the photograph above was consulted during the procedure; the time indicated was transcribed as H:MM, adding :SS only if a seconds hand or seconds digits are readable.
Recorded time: 3:21
